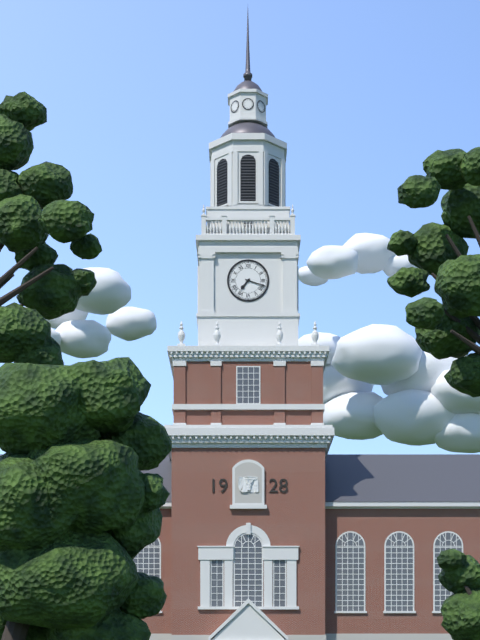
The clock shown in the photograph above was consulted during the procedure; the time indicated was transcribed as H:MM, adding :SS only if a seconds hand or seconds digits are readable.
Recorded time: 7:18
